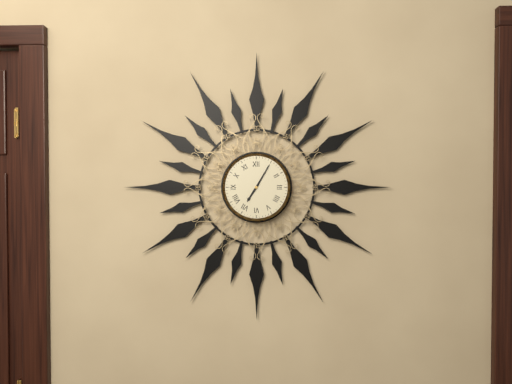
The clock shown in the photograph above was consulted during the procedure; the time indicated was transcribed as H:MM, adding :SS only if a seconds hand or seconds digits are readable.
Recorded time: 7:05
